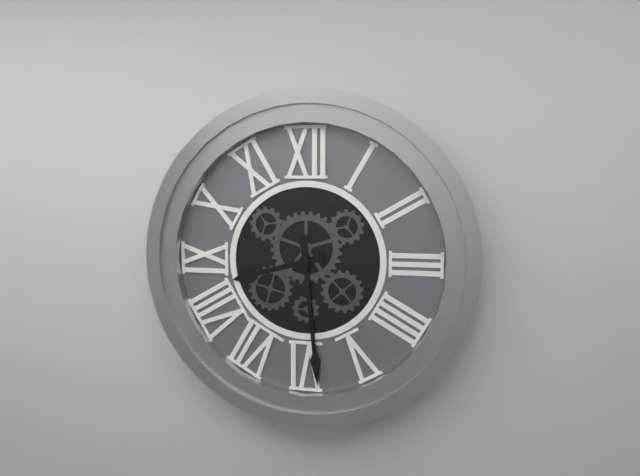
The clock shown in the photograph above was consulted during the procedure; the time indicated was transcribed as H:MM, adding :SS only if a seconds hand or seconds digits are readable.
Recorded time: 8:29
